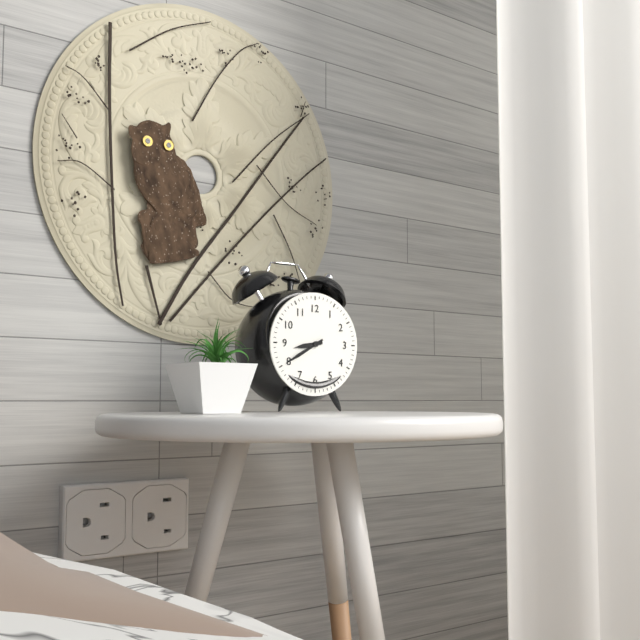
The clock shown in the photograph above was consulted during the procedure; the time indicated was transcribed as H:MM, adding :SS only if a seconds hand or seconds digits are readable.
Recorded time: 8:40
